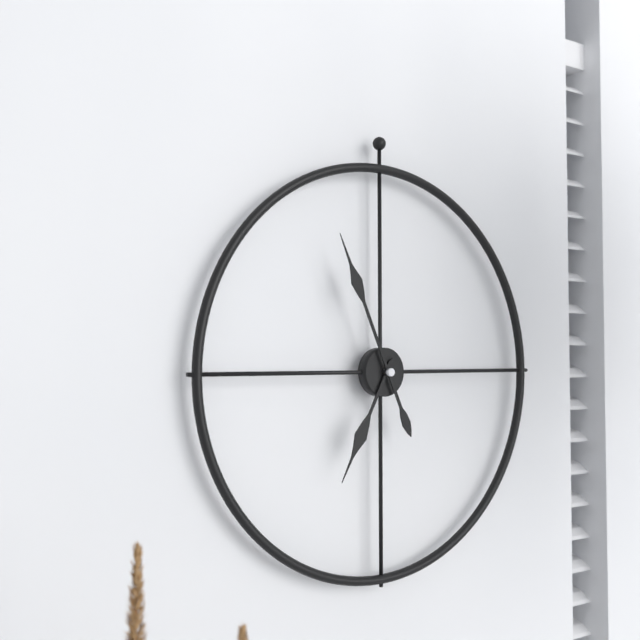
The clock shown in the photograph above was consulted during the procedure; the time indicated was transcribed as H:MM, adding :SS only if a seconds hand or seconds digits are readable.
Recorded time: 6:56
